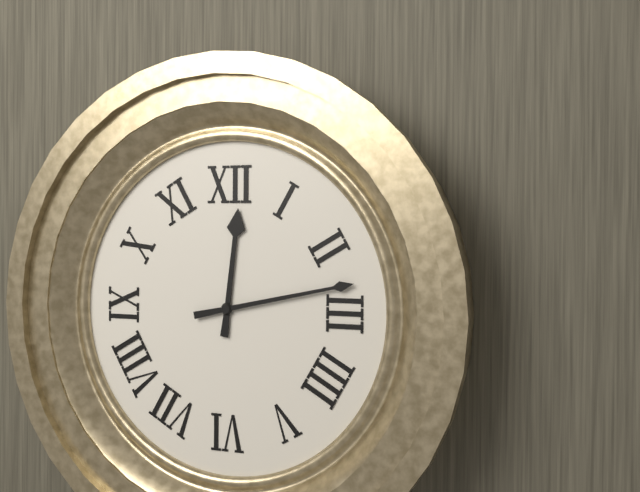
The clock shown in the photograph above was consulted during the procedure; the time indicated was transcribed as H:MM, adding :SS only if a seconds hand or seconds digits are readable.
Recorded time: 12:13
